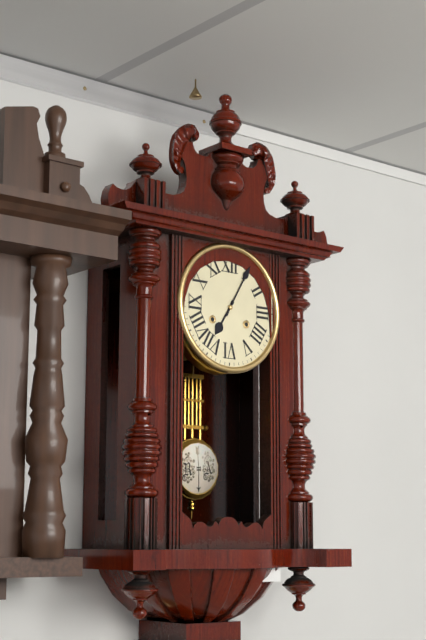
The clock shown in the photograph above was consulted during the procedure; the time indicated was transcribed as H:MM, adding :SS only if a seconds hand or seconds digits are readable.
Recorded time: 7:05
